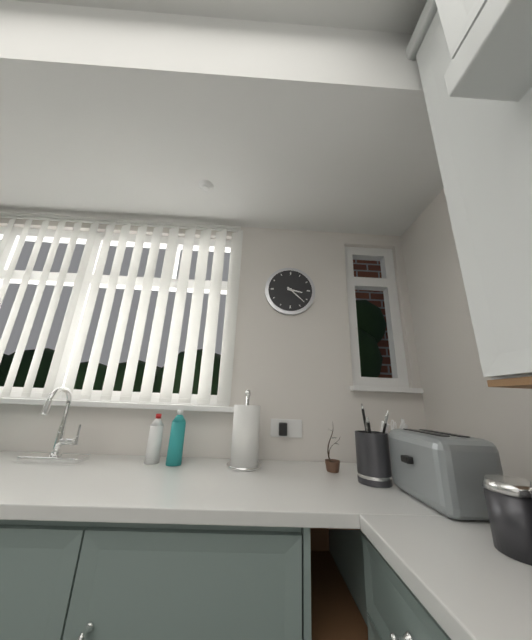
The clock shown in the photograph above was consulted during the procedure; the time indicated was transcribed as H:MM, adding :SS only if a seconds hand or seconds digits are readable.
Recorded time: 3:22
